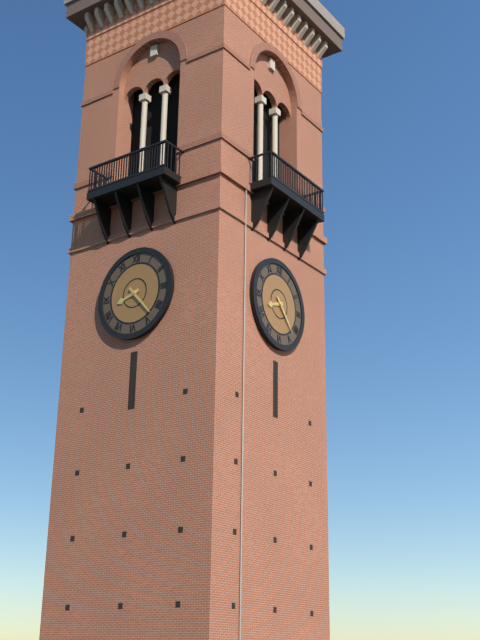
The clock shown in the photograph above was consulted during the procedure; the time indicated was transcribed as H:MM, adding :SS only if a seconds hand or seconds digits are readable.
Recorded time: 8:23
